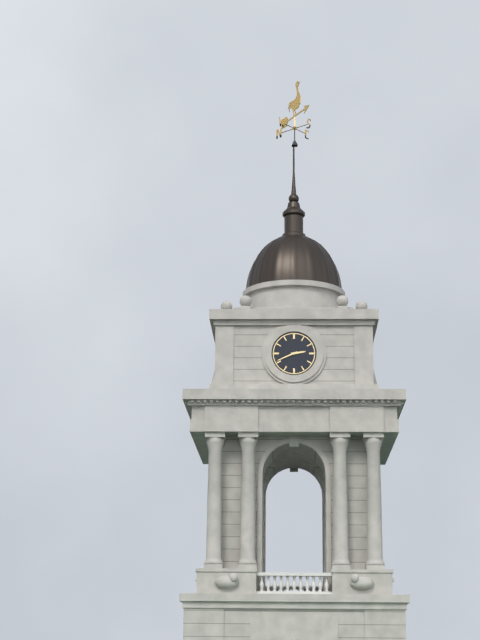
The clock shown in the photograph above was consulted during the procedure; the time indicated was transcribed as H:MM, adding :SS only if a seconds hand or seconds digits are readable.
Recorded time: 2:41
